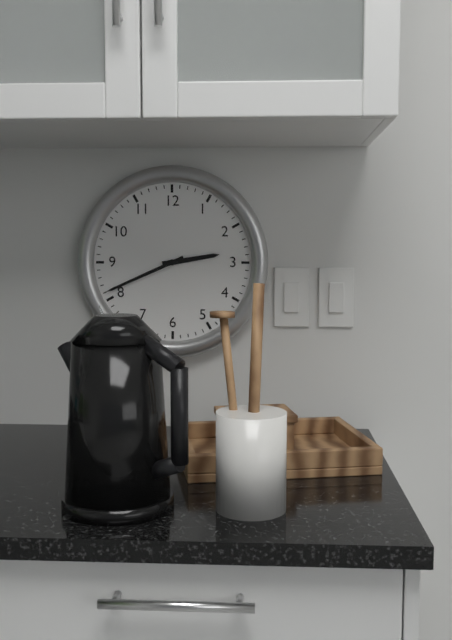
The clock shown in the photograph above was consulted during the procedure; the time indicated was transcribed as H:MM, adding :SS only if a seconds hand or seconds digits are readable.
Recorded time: 2:41
